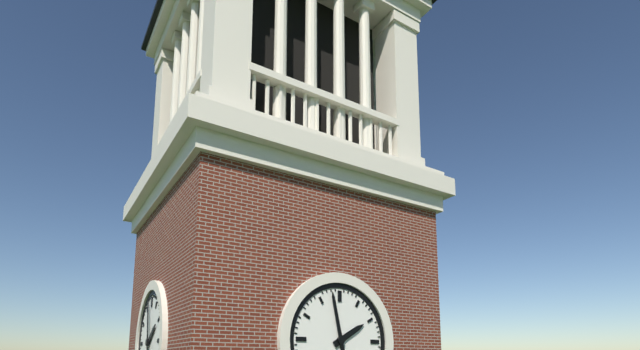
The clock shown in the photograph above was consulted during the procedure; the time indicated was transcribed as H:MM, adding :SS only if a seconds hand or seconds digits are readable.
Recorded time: 1:58
